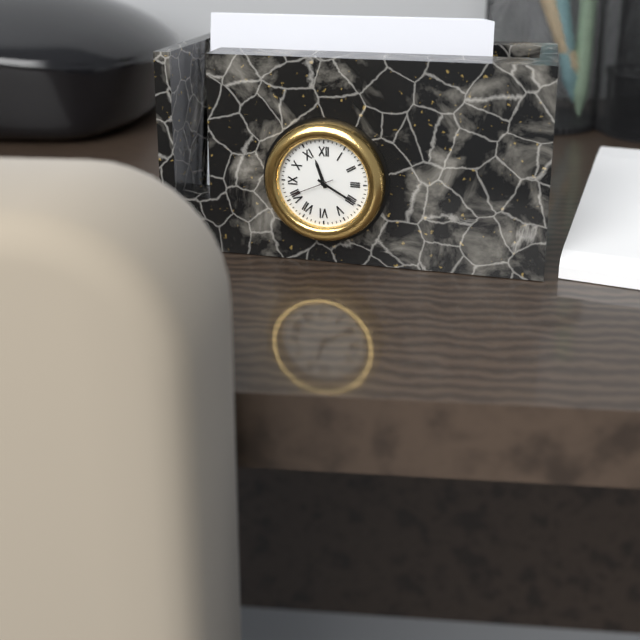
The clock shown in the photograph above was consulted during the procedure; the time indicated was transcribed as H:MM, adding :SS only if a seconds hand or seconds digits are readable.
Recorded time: 11:20:41
